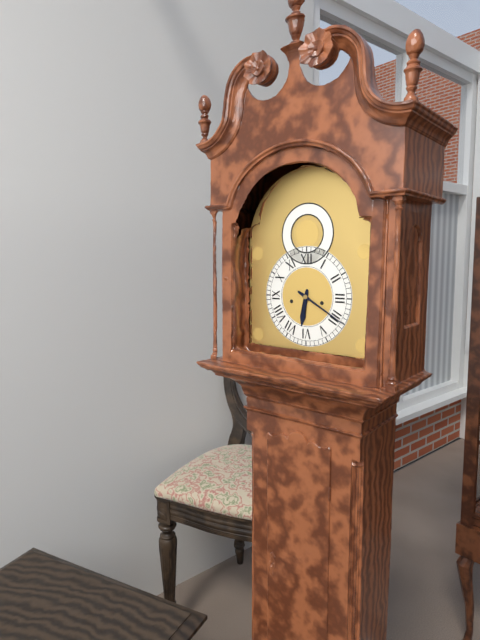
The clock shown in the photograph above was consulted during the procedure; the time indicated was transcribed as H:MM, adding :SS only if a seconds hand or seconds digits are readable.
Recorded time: 6:20
